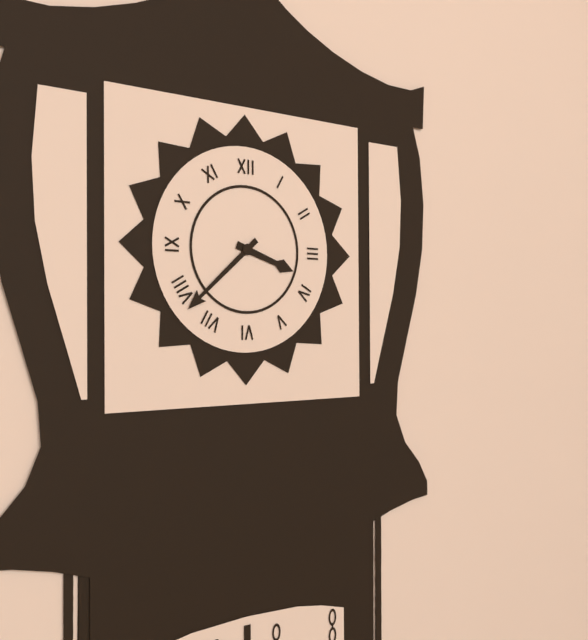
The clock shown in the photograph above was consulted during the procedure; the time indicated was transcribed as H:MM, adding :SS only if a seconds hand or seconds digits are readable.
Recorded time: 3:38
